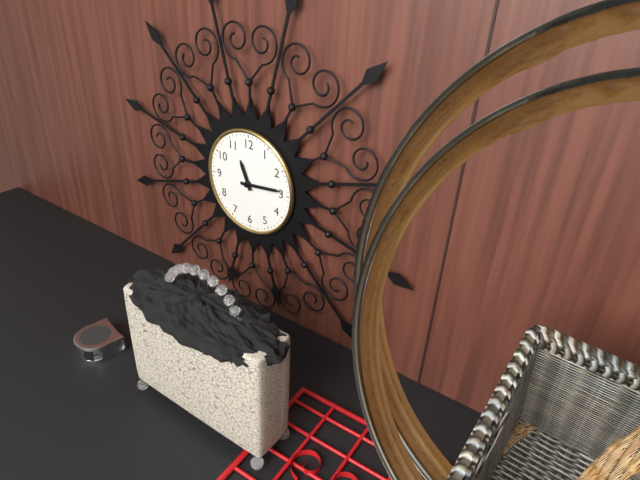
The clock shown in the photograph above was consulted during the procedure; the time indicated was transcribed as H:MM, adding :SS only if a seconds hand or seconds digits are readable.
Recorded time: 11:14
